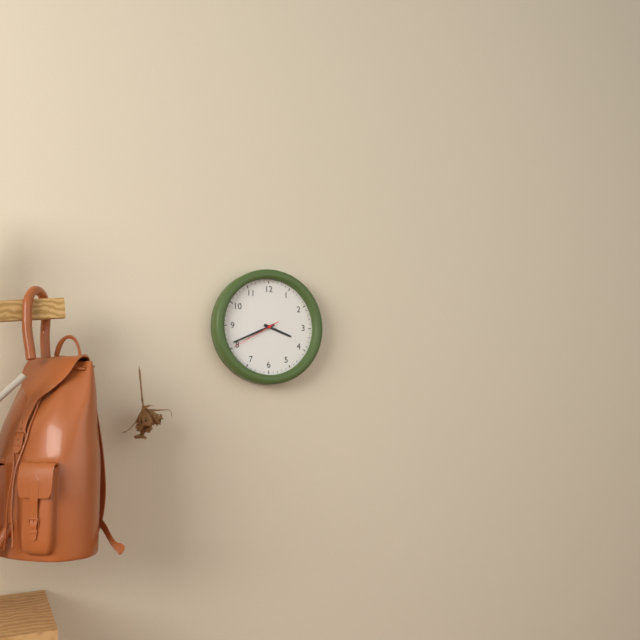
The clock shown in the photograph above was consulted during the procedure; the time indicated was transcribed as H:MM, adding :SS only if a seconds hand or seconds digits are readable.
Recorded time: 3:41:40
